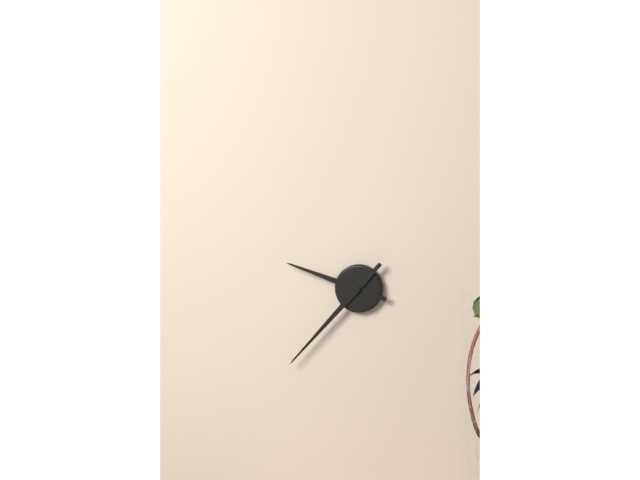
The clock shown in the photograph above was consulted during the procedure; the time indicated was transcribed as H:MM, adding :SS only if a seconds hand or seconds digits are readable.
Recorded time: 9:37
